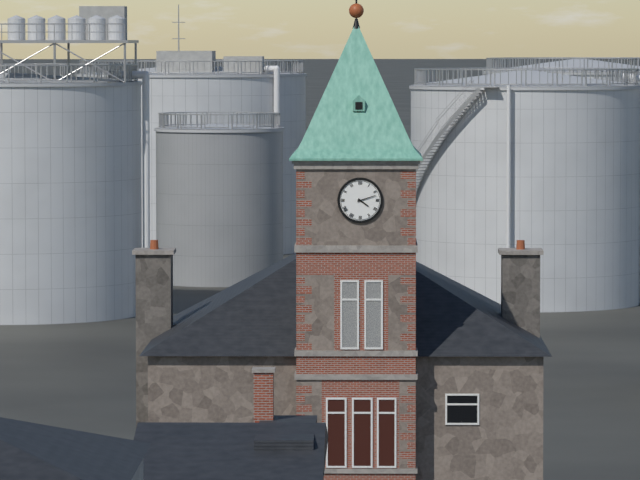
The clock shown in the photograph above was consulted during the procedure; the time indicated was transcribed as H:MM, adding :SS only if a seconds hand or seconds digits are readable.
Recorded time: 4:12
